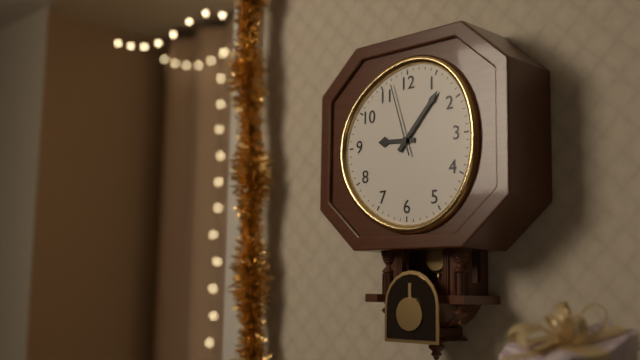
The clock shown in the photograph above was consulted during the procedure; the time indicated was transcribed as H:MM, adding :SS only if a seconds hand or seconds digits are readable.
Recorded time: 9:07:57
